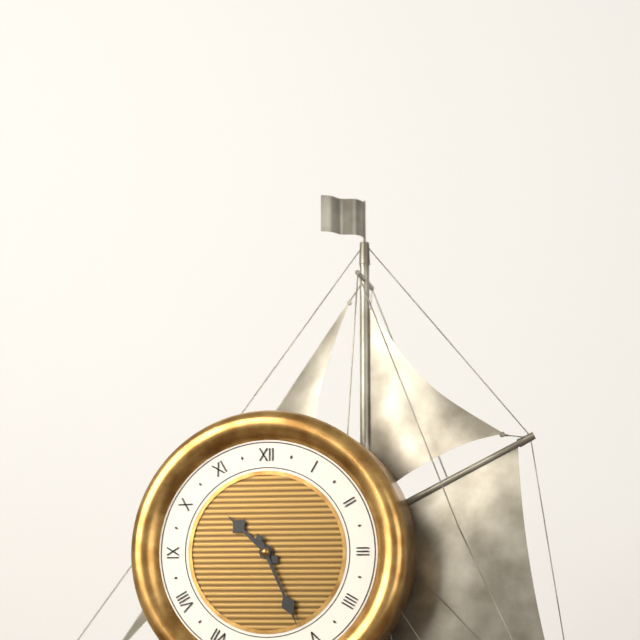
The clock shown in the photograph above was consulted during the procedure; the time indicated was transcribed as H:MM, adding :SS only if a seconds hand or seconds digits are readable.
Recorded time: 10:26
